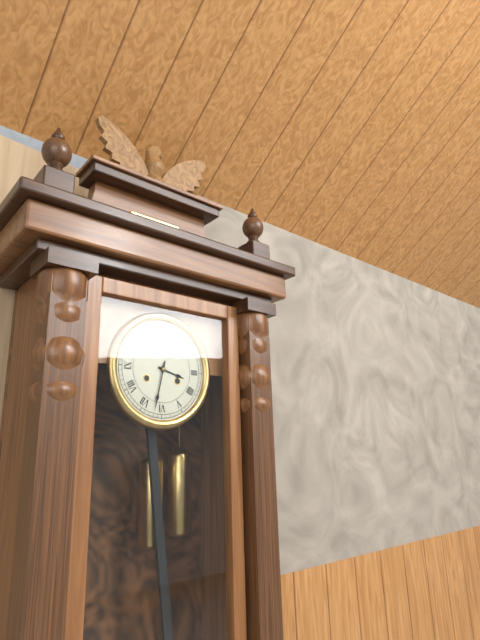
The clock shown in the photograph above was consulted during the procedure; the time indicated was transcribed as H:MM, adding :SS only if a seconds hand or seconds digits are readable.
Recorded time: 3:32
